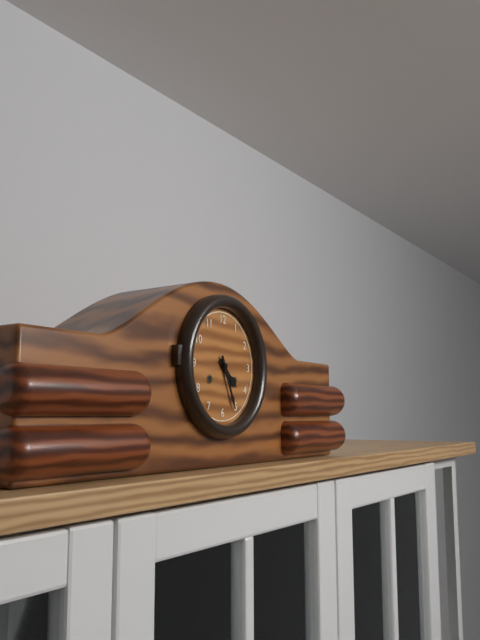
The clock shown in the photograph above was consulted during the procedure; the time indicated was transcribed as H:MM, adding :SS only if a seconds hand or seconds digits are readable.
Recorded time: 4:26
